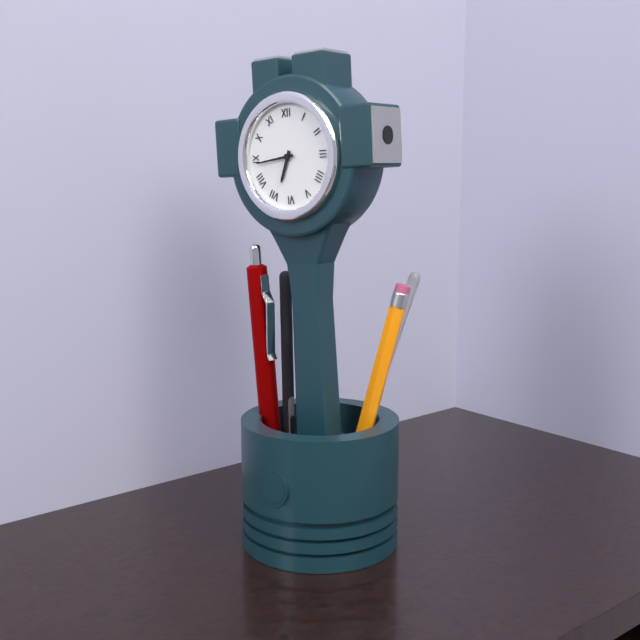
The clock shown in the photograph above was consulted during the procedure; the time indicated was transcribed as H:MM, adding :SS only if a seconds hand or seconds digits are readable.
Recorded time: 6:44
